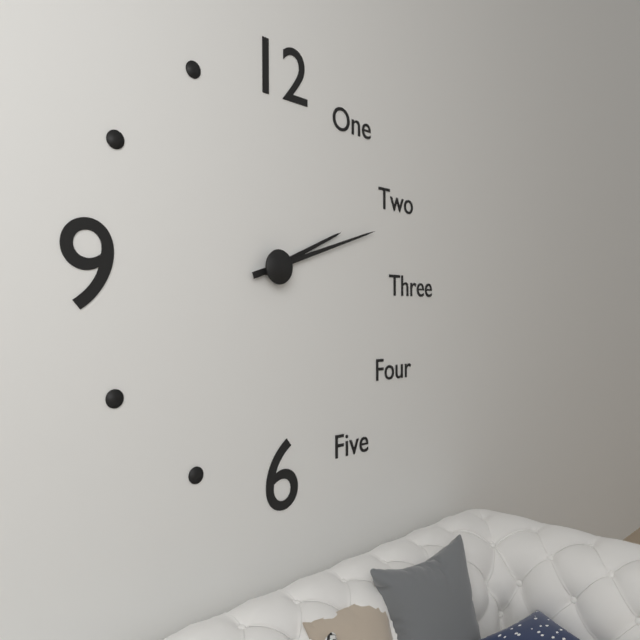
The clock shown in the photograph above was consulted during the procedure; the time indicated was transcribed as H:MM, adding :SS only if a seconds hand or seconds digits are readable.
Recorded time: 2:12
